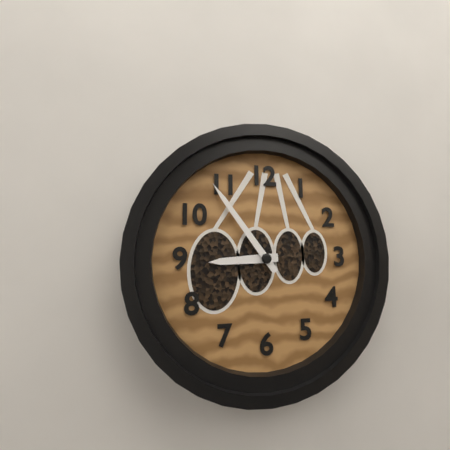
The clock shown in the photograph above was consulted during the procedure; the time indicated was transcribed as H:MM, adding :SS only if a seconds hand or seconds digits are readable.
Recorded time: 8:54
